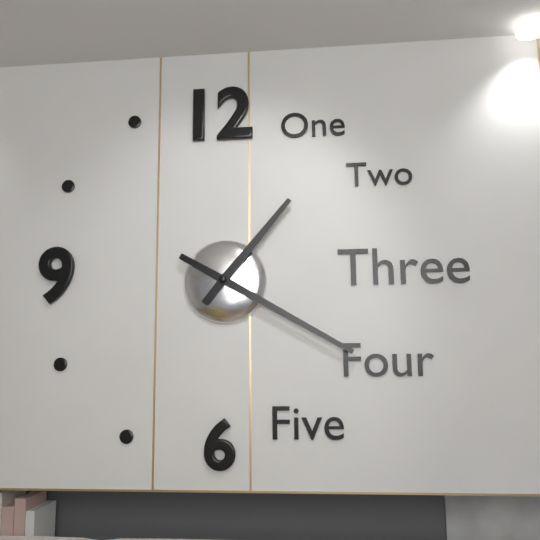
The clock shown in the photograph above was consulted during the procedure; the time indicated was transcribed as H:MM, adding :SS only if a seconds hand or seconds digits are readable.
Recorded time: 1:20
